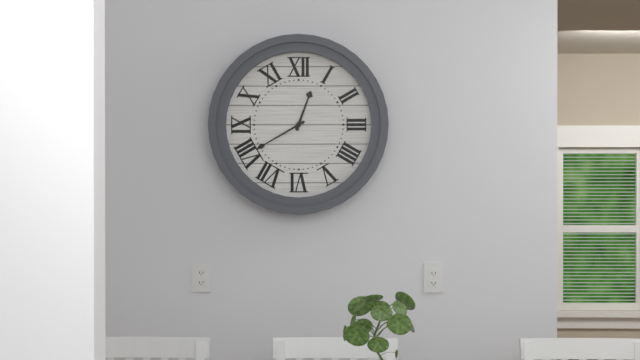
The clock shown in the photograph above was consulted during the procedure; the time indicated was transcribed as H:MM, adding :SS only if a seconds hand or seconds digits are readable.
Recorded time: 12:40
